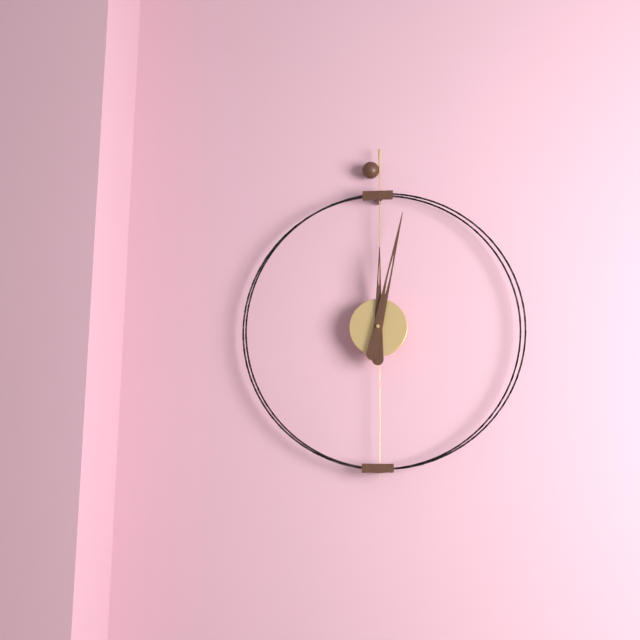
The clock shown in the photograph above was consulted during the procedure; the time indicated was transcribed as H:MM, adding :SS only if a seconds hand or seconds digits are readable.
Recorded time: 12:02
